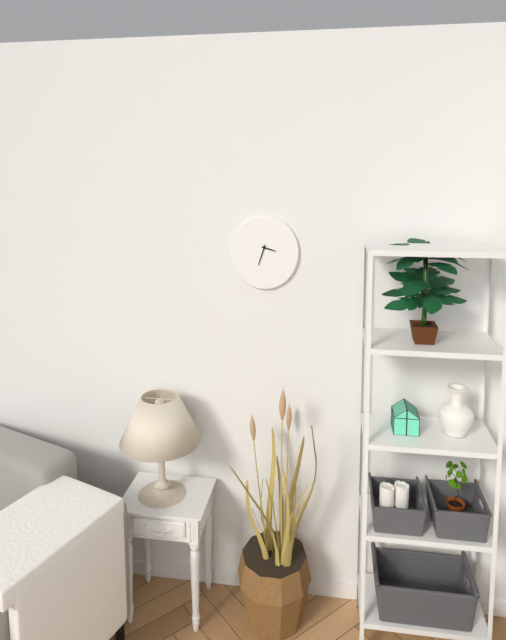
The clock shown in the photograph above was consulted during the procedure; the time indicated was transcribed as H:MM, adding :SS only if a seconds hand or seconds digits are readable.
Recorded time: 3:33
